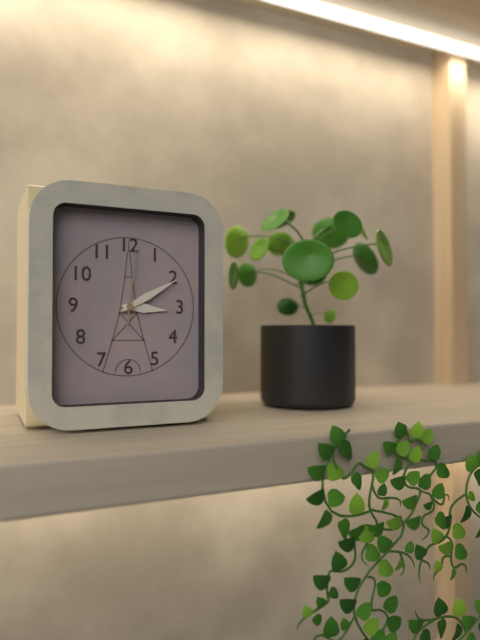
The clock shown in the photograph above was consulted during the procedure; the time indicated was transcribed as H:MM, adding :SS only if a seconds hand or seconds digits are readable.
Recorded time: 3:10:01
